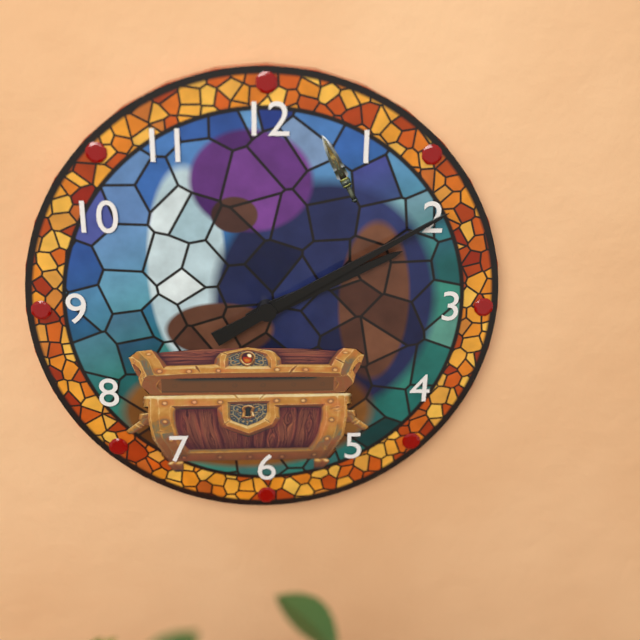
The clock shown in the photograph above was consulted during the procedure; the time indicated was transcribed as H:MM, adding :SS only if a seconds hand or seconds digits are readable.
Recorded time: 2:10
